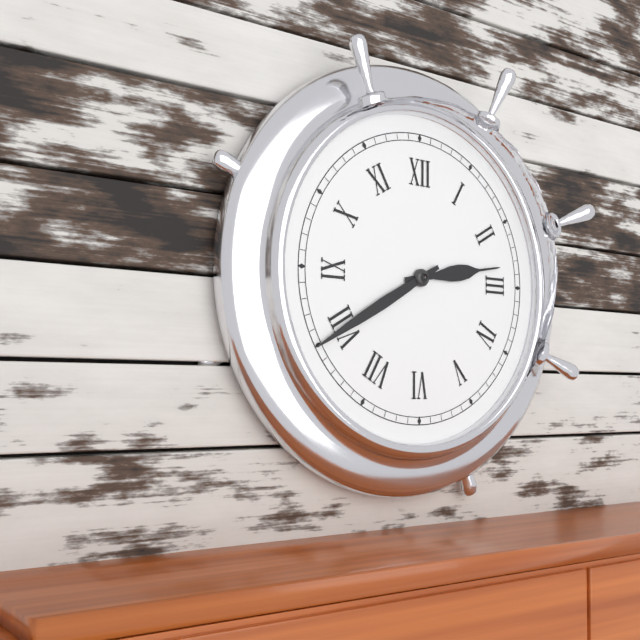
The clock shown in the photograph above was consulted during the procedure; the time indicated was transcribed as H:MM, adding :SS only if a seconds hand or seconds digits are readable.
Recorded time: 2:40
